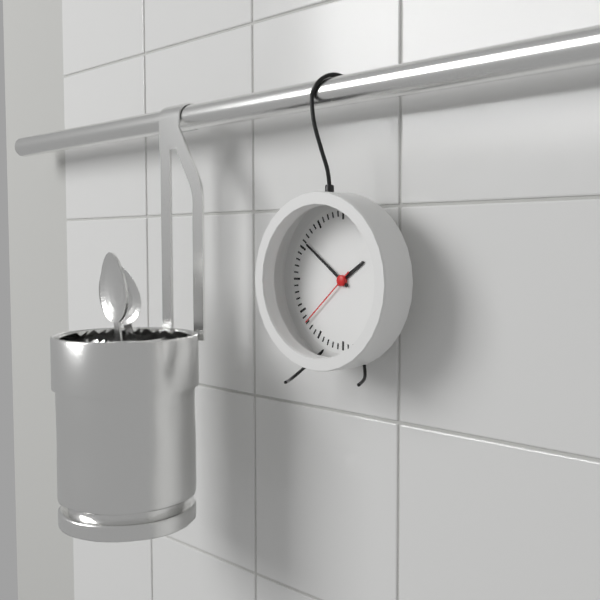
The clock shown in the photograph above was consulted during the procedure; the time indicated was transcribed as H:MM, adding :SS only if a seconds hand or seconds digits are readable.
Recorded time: 1:51:38
